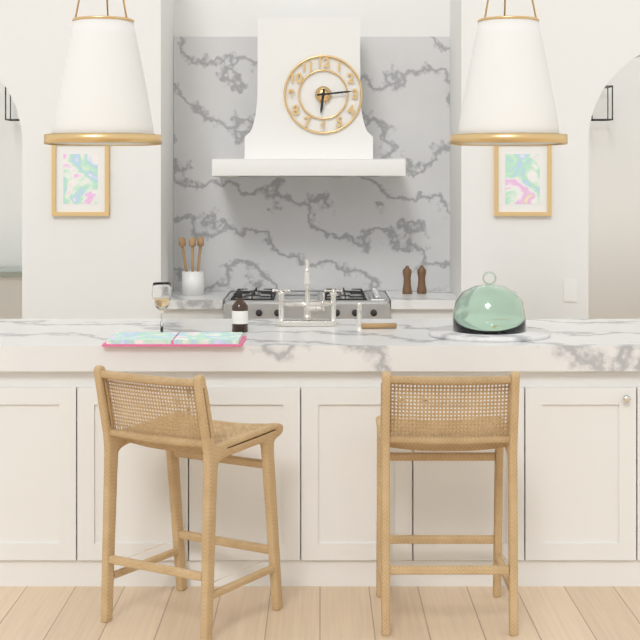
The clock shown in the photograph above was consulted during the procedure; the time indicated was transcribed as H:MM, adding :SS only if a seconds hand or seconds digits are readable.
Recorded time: 6:14
